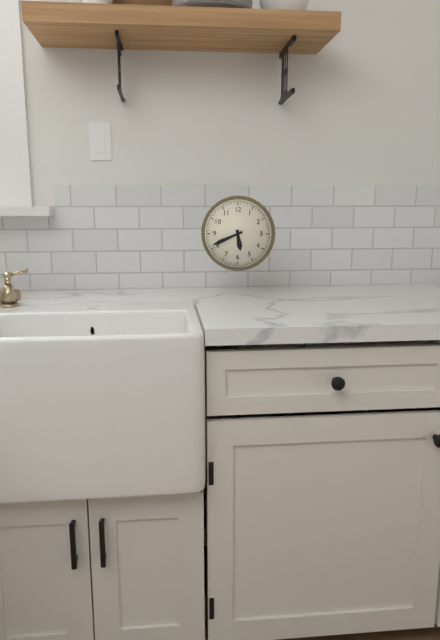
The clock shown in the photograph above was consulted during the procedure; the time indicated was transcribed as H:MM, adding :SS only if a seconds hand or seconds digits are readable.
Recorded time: 5:41
